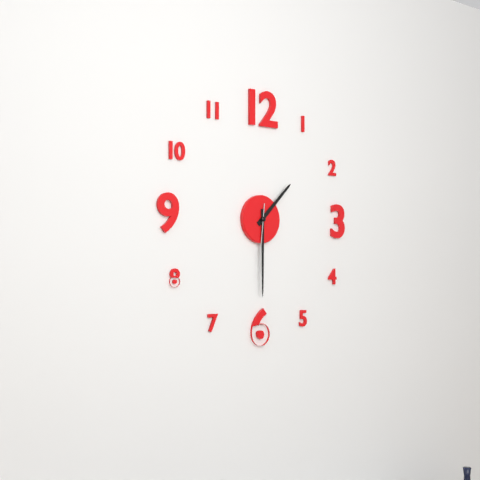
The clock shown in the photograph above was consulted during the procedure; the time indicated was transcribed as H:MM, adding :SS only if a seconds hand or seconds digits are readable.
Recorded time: 1:30:31
